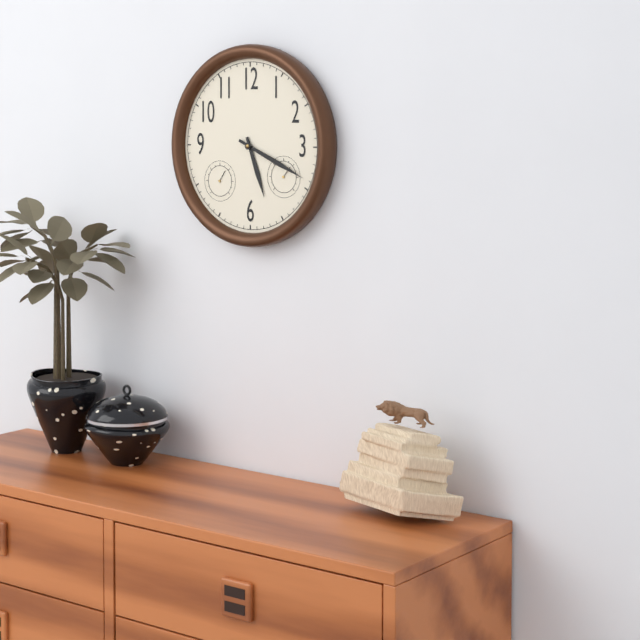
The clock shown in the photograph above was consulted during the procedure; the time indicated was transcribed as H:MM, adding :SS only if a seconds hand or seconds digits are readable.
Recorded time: 5:19
